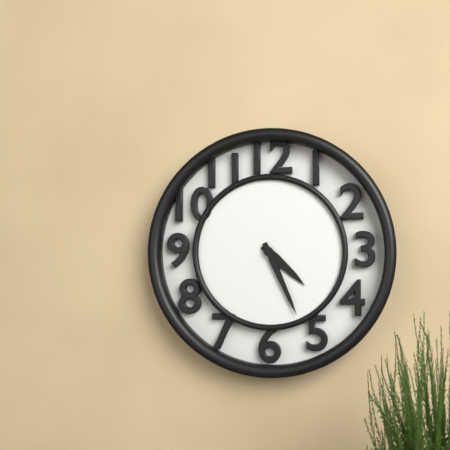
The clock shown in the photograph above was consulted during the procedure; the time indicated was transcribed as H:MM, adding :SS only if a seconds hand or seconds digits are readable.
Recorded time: 4:26
